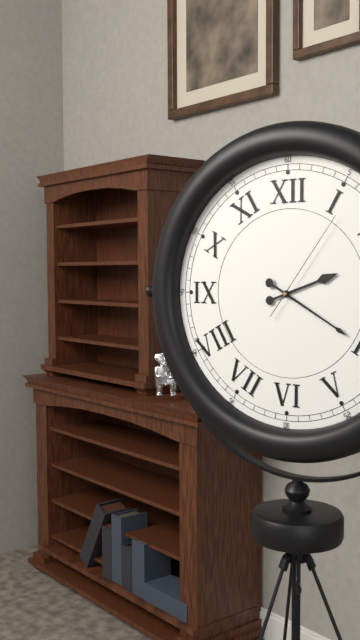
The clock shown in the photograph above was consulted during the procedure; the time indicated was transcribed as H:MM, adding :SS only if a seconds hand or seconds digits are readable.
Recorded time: 2:20:06
